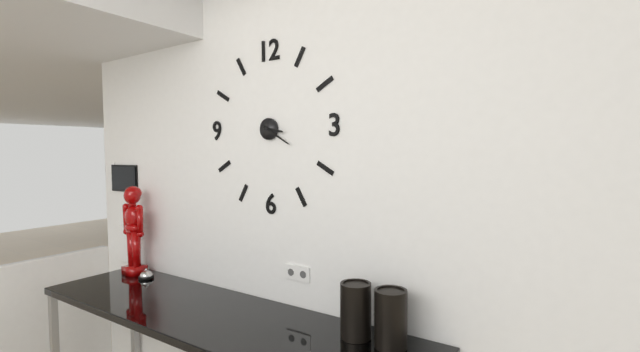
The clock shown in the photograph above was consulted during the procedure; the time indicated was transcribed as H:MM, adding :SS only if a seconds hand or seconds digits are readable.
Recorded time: 3:20
